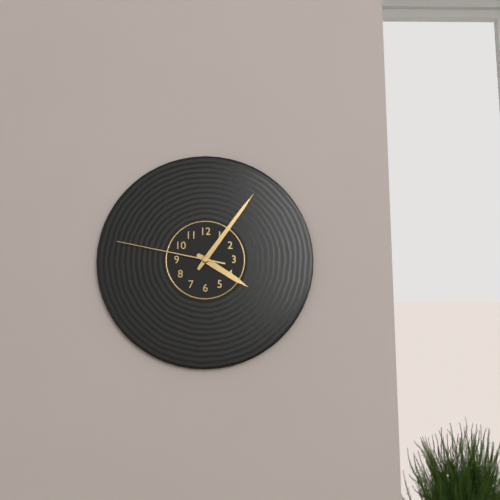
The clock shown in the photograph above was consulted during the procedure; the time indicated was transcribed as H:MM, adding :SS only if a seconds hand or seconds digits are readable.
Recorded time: 4:06:47
